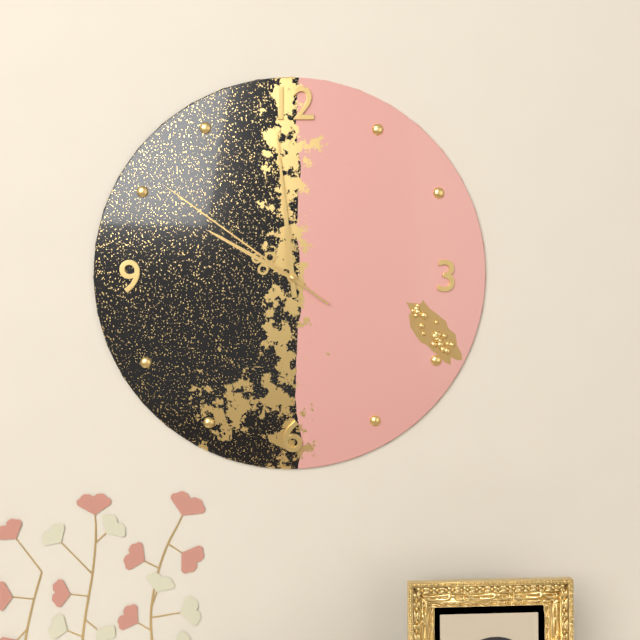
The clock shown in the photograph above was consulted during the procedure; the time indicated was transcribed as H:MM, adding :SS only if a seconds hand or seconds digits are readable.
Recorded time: 9:59:51
